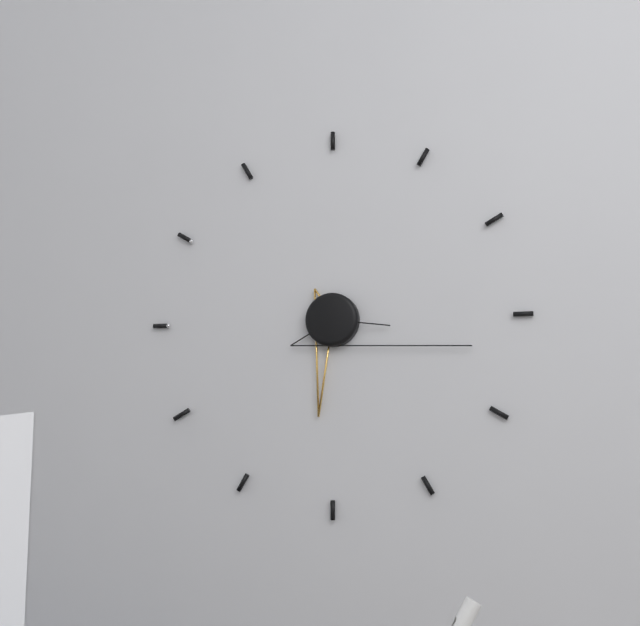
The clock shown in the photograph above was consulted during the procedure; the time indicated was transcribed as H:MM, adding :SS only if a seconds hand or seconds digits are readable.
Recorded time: 6:17
